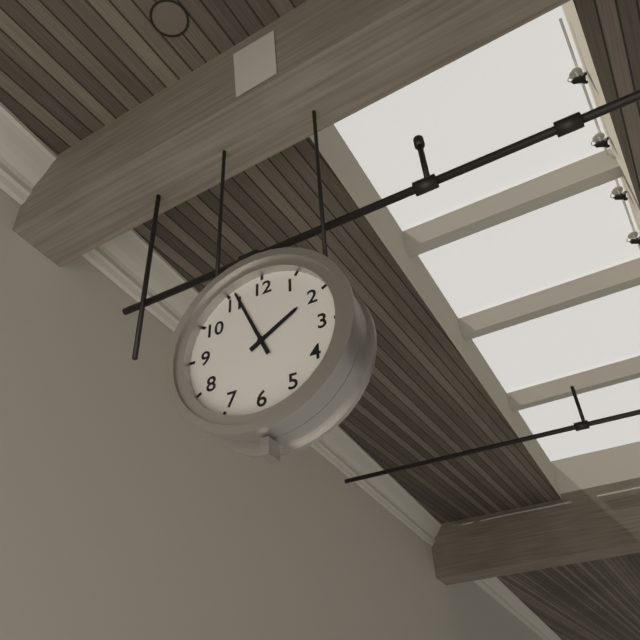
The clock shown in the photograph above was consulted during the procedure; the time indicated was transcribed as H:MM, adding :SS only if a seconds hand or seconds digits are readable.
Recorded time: 1:56
